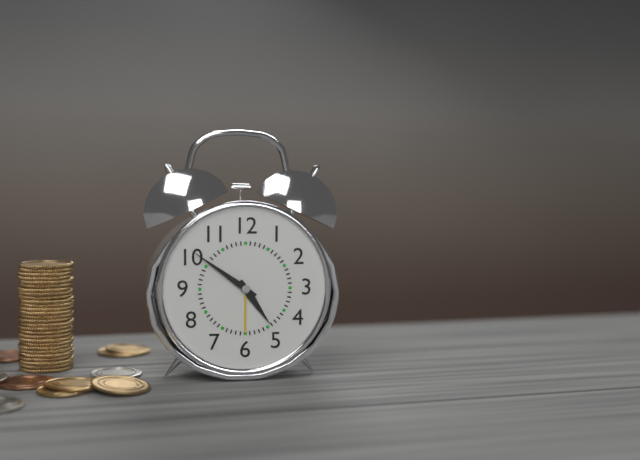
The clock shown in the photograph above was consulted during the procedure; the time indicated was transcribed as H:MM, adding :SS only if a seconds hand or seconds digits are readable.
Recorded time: 4:51
